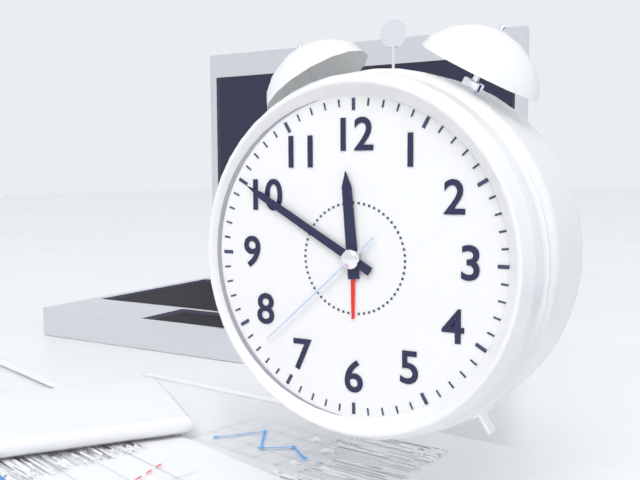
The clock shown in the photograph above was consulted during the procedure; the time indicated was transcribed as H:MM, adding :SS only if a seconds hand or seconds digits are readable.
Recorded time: 11:50:38
